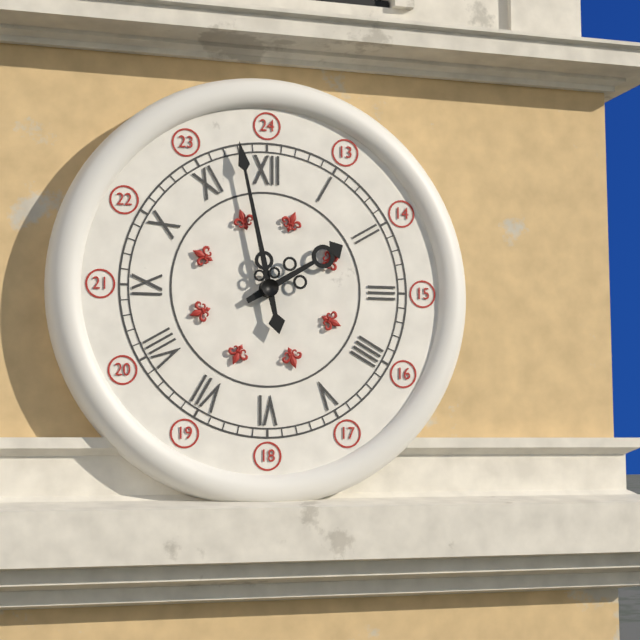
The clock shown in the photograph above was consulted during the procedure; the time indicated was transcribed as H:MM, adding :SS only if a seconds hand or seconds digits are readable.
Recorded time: 1:58
